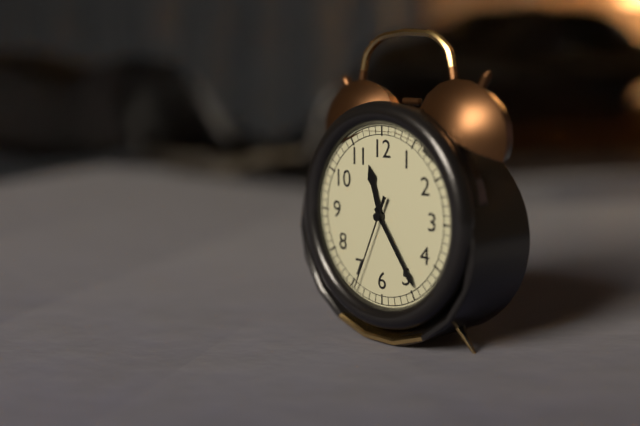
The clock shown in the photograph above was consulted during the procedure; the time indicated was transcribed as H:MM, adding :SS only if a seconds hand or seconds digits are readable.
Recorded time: 11:24:34
